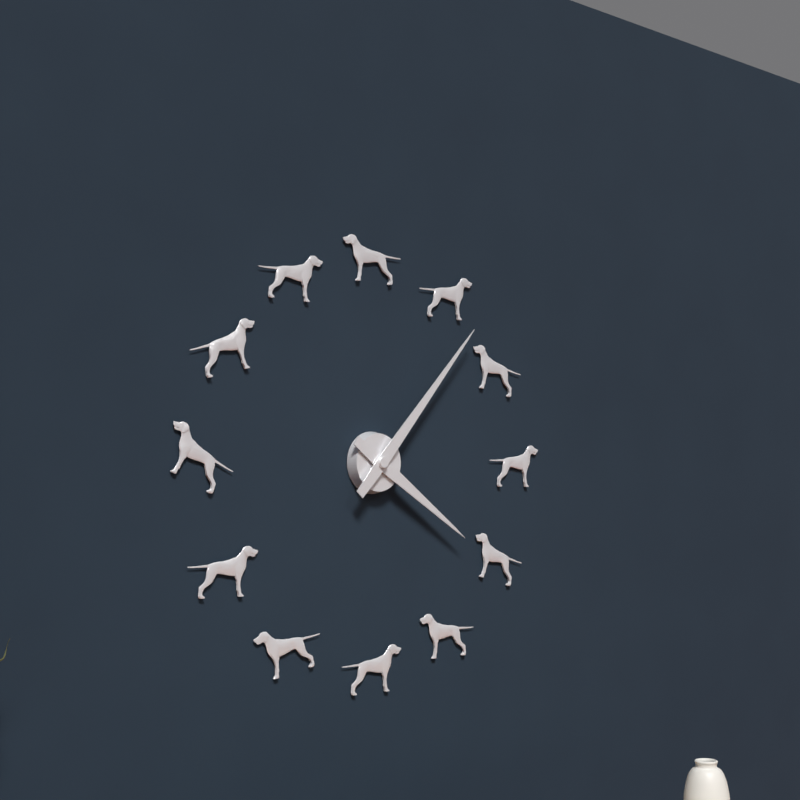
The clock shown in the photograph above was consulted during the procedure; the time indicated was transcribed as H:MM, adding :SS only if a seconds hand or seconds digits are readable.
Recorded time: 4:07
